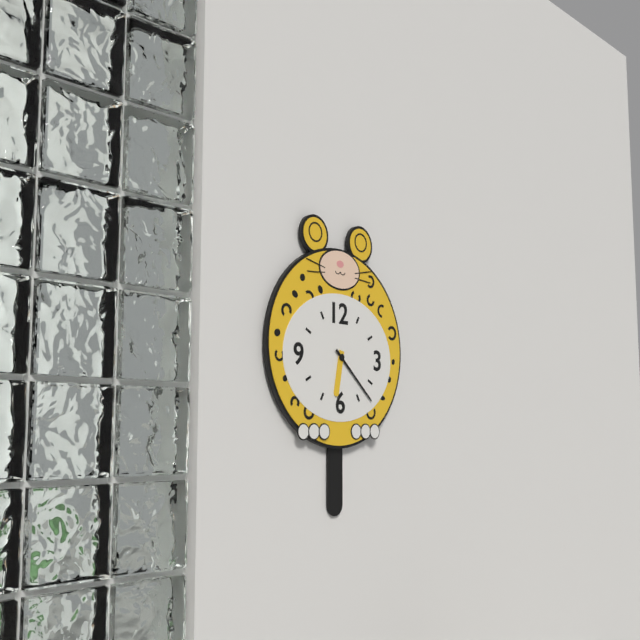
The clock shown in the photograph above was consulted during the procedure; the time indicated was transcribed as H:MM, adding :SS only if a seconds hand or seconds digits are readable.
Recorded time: 6:22
